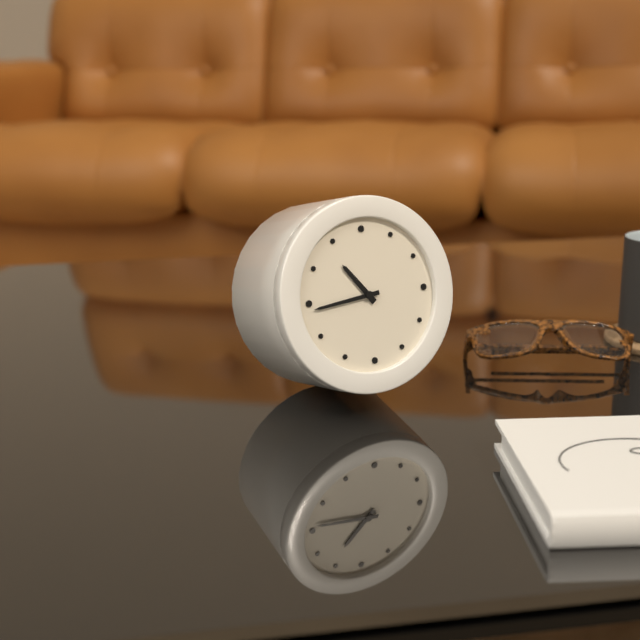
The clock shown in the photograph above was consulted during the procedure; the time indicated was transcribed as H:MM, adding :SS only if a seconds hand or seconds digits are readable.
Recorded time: 10:44
